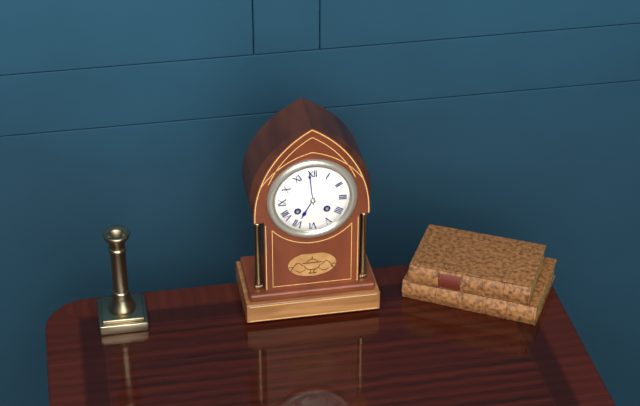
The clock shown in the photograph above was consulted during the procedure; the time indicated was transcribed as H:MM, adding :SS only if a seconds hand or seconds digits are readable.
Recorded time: 6:59
